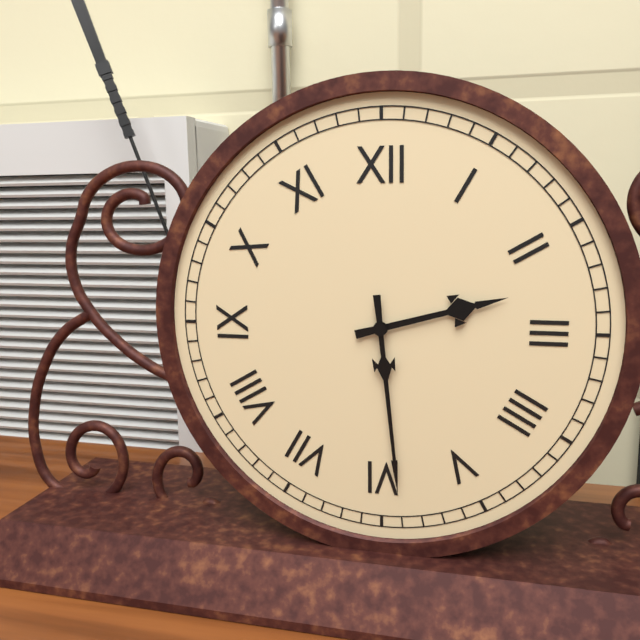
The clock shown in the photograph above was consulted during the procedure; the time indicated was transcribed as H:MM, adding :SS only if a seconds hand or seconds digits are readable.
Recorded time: 2:29
